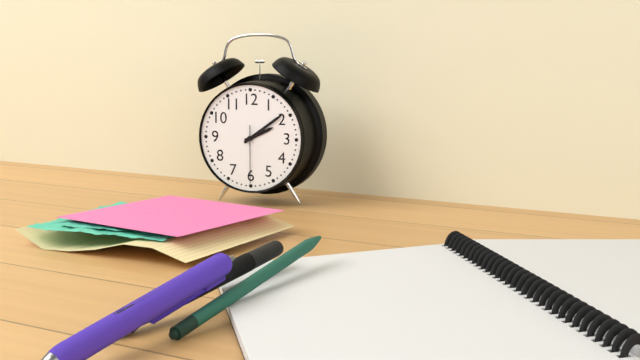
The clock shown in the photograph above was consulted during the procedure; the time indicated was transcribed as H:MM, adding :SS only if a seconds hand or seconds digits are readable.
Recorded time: 2:09:30
